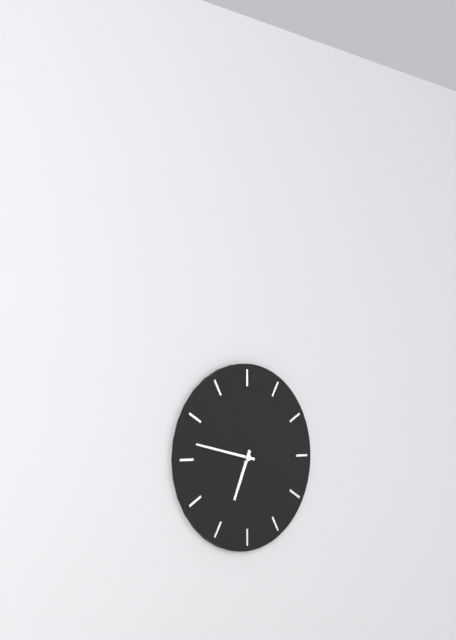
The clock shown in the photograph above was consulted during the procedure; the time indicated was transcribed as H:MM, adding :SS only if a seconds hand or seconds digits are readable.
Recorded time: 6:47
